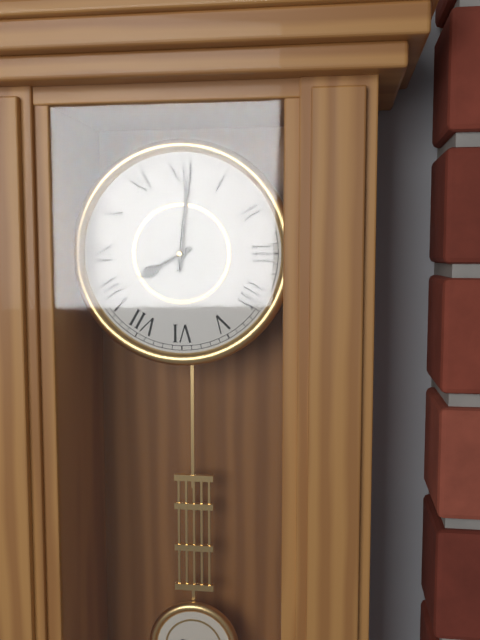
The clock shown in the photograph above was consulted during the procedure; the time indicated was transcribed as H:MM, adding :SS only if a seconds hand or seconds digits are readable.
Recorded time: 8:01
